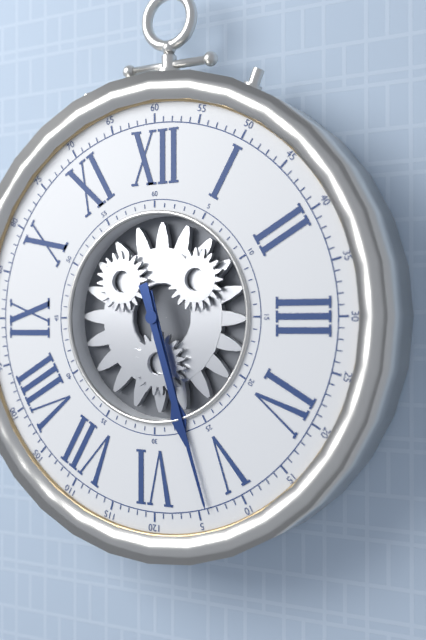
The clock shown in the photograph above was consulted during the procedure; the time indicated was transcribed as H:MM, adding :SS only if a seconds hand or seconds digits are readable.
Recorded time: 5:27
